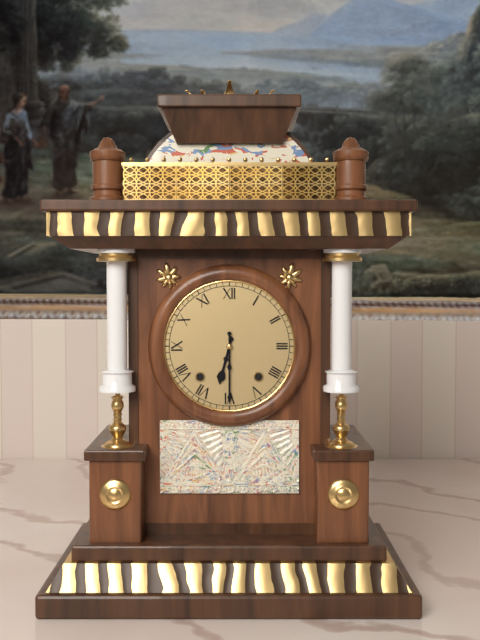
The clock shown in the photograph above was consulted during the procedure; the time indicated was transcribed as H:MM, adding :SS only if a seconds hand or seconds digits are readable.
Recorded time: 6:30
